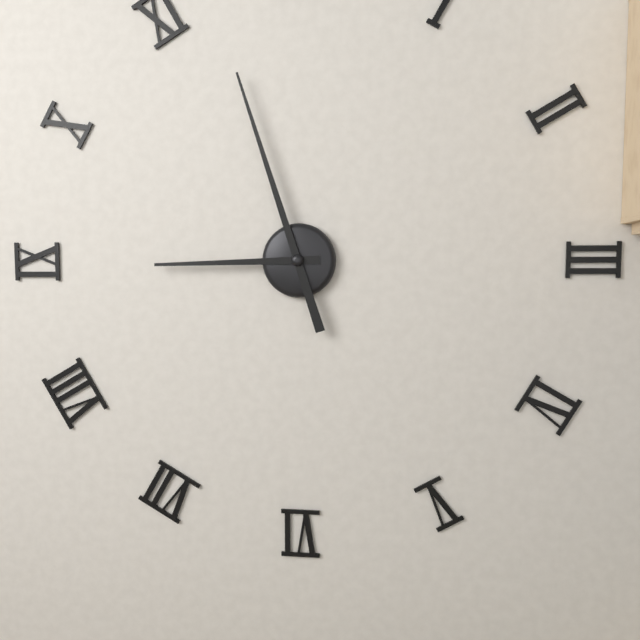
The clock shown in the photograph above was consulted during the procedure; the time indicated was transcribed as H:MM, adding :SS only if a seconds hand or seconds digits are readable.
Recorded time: 8:57
